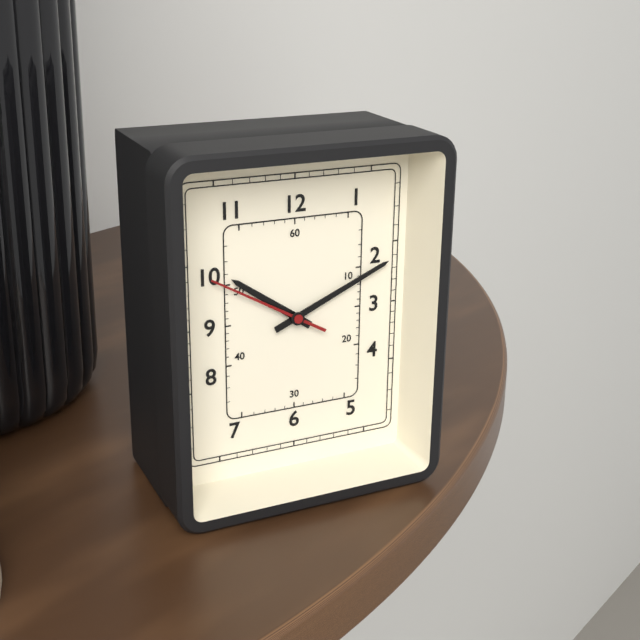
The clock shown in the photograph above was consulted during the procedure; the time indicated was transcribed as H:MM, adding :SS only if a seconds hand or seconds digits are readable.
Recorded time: 10:11:50
